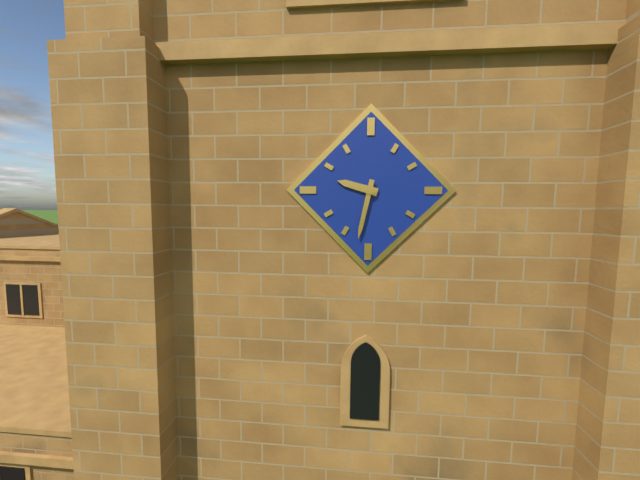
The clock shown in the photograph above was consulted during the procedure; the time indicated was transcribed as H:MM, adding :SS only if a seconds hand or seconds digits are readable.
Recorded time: 9:32
